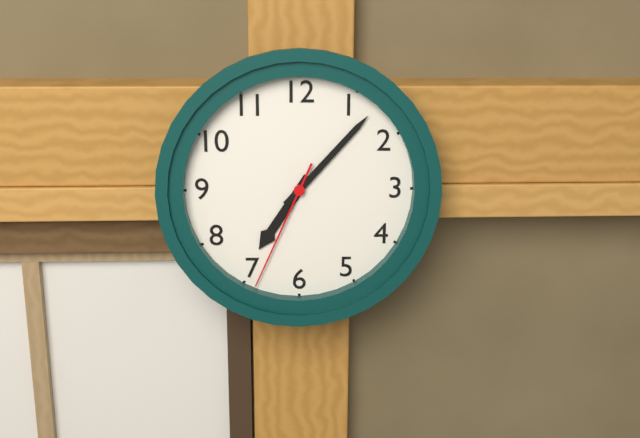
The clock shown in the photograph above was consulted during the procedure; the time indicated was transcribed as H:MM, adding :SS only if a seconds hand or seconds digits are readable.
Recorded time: 7:07:34
